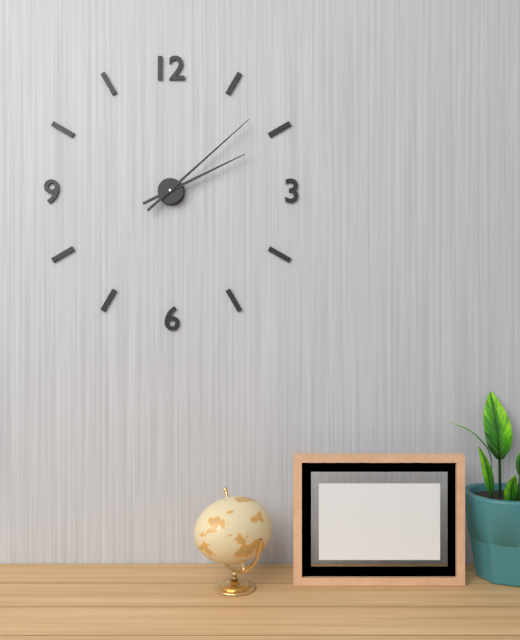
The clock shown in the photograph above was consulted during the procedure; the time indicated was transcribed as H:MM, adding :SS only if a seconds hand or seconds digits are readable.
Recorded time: 2:08
